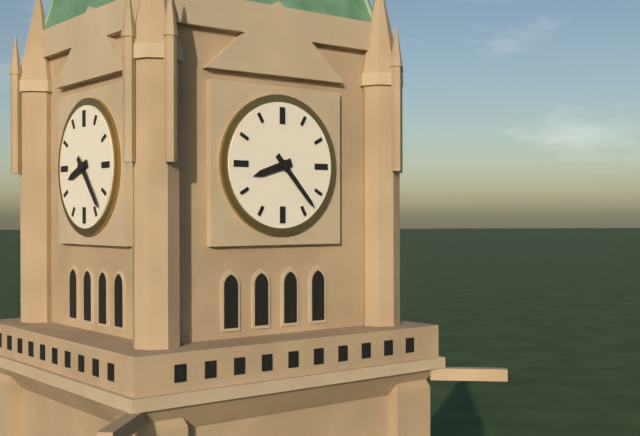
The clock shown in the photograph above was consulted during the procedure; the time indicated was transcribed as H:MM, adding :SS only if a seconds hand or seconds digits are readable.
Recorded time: 8:23
